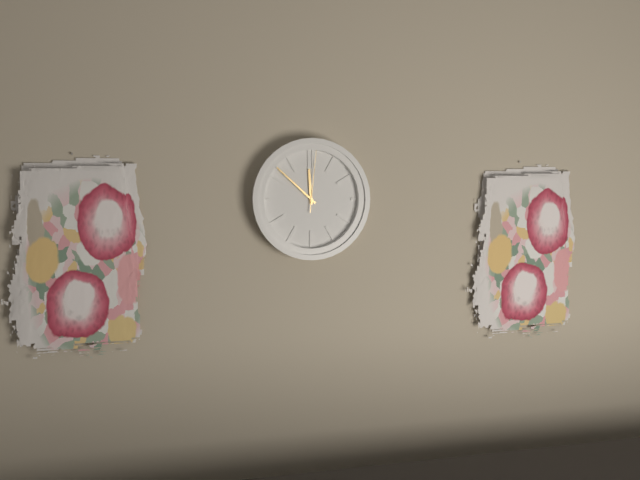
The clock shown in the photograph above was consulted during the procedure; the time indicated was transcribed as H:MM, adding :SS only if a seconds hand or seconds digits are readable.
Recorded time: 11:52:01
